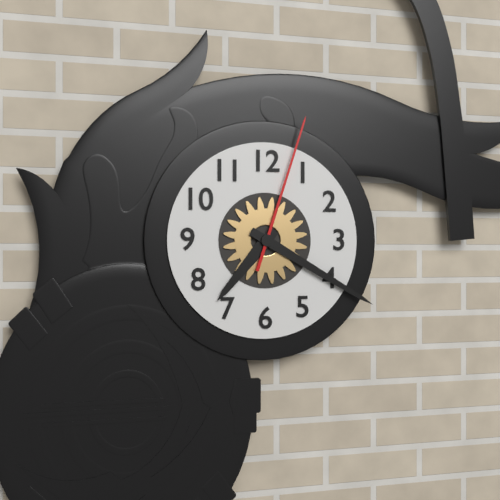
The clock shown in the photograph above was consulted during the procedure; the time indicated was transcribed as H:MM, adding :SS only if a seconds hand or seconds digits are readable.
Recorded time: 7:20:03
